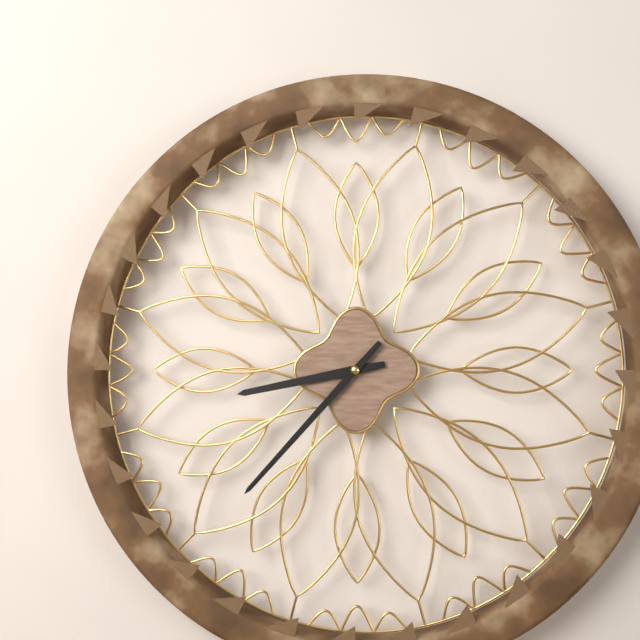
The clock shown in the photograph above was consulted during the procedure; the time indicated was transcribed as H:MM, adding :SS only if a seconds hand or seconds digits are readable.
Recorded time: 8:37
